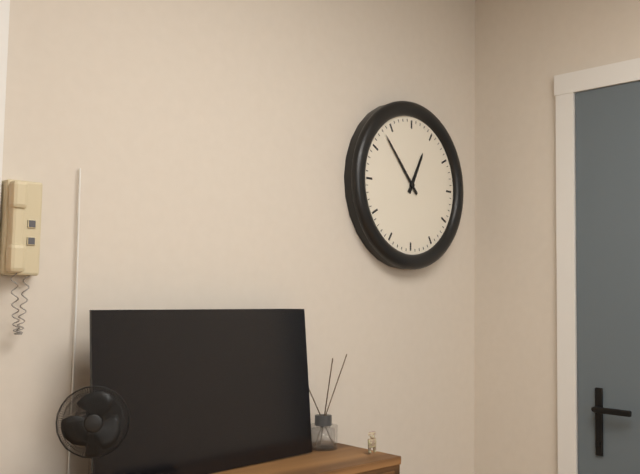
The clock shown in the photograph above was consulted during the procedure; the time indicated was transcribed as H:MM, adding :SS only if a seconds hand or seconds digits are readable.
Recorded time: 12:53
